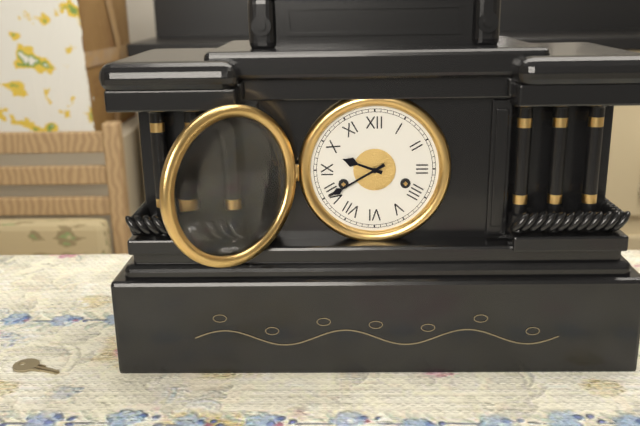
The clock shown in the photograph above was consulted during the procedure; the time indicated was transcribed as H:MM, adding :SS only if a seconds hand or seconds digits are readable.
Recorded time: 9:40
